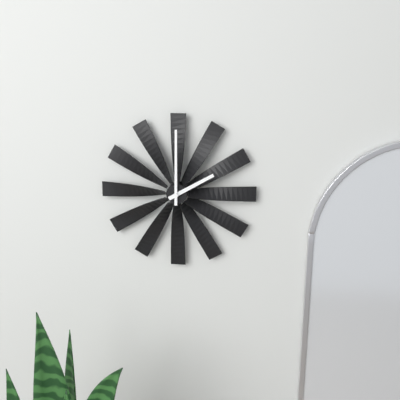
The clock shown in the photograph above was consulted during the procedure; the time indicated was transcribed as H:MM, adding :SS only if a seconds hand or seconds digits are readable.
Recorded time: 2:00
